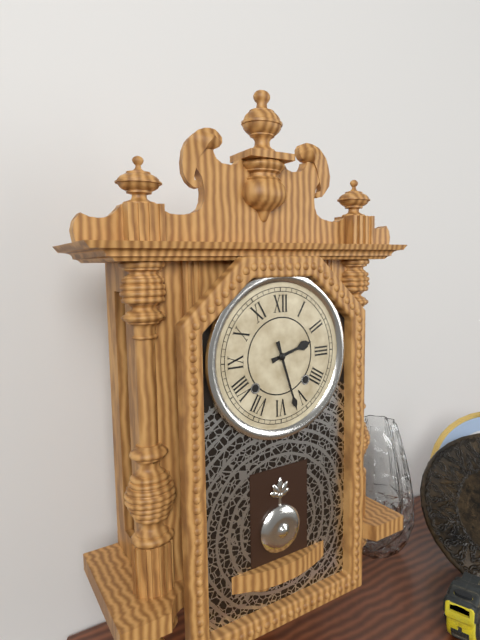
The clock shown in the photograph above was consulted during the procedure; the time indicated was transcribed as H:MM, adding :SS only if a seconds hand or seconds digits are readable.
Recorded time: 2:27
